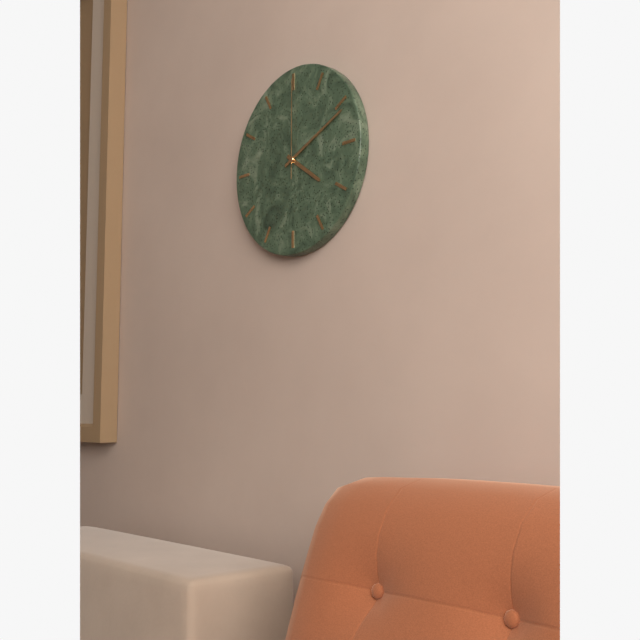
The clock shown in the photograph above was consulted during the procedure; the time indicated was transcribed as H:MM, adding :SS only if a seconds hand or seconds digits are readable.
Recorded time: 4:11:00
